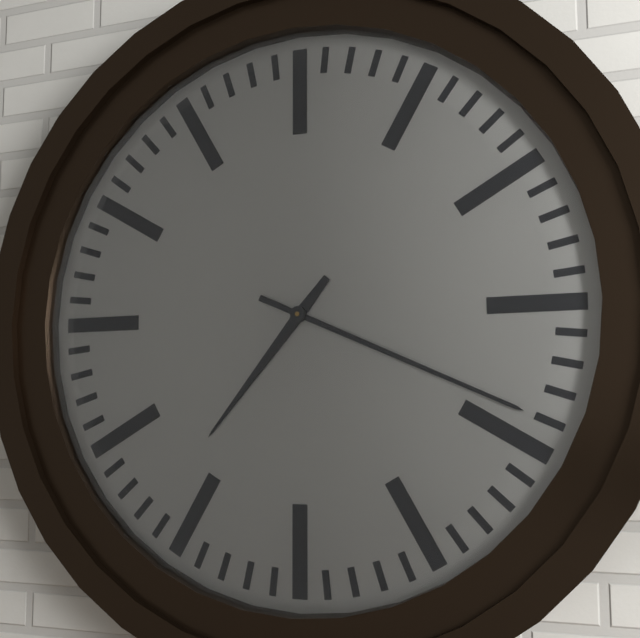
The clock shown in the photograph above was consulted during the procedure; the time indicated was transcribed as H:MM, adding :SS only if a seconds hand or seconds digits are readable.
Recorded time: 7:19
